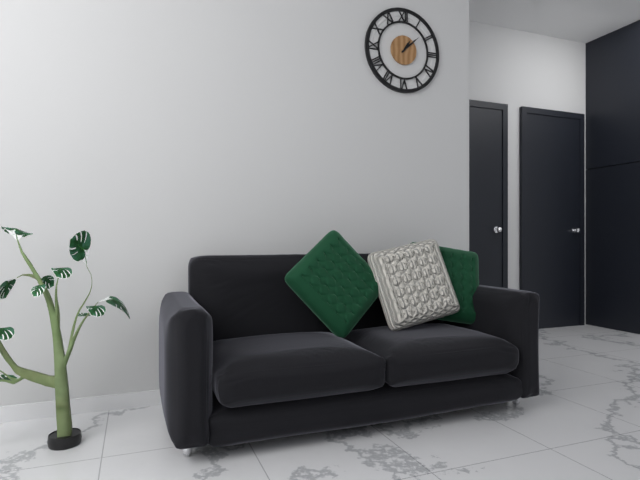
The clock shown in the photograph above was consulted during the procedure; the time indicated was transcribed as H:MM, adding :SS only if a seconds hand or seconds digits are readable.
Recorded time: 1:08
